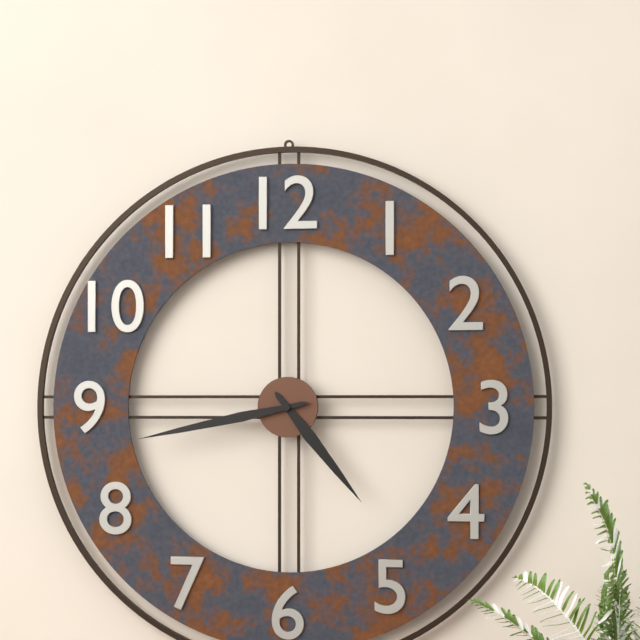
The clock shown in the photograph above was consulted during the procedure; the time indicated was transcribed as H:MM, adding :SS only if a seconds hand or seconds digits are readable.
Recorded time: 4:43
